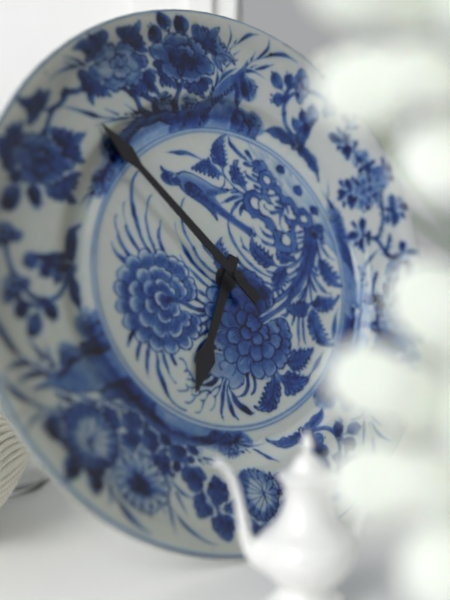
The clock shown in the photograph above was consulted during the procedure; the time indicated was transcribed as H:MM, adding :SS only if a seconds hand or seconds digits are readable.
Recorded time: 6:53
